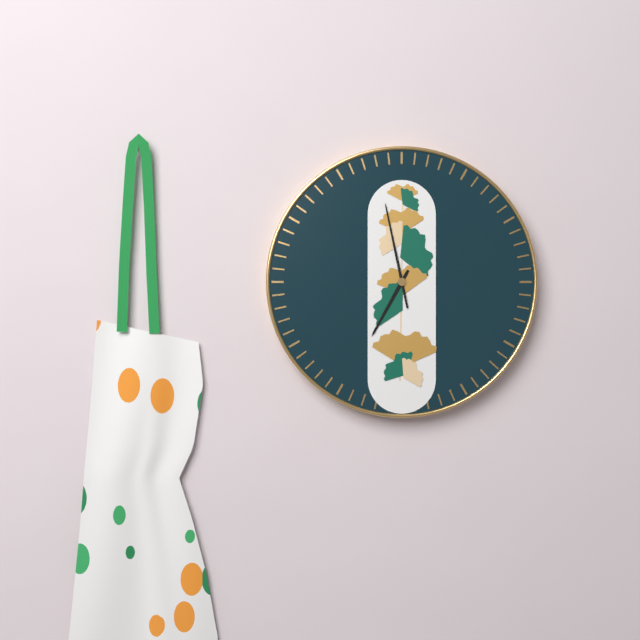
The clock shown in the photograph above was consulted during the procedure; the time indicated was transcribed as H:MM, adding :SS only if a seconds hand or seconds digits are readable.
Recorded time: 6:58
